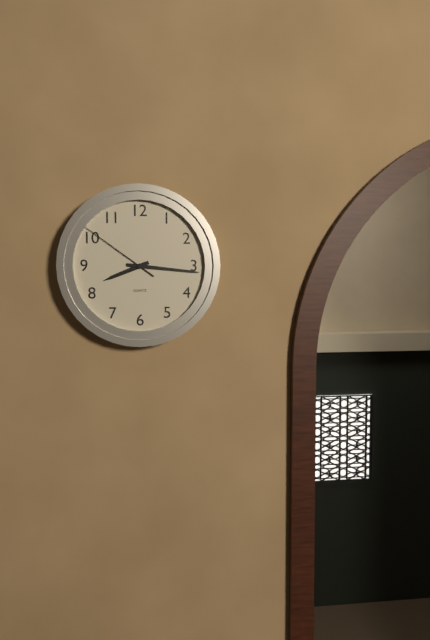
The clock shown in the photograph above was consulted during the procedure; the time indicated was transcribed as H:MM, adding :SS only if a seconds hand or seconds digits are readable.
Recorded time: 8:16:51
